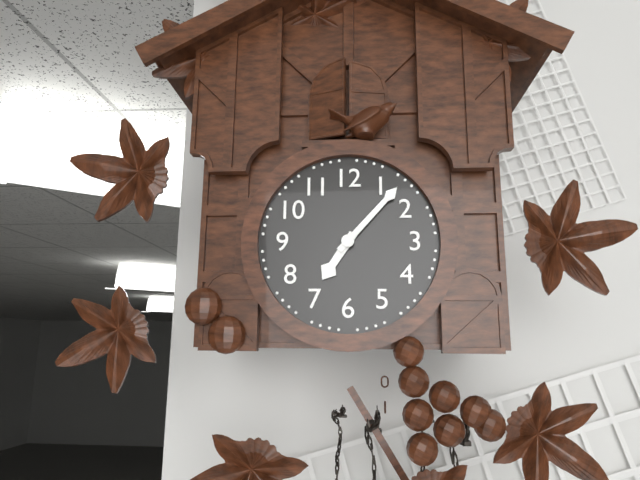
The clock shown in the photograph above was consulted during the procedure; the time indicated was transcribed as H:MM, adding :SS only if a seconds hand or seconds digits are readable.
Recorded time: 7:07
